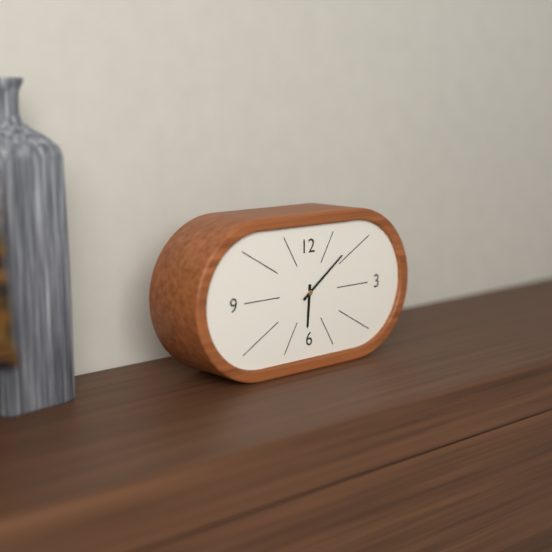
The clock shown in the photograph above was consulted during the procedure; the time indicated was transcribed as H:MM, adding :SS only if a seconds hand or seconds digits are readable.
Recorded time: 6:09
